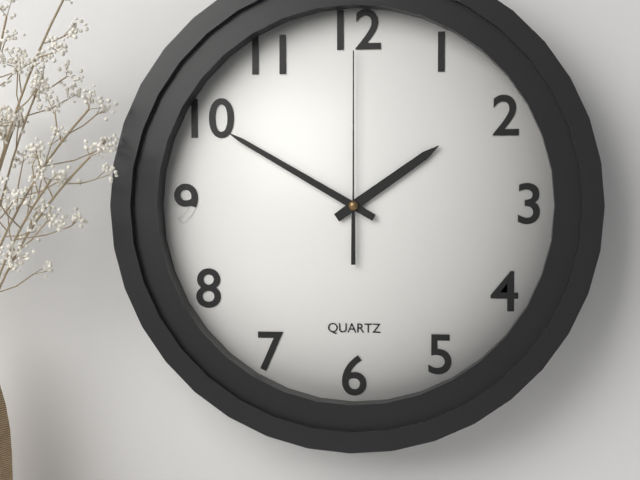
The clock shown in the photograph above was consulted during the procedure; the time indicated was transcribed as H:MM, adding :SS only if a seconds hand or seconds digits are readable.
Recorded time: 1:50:00
